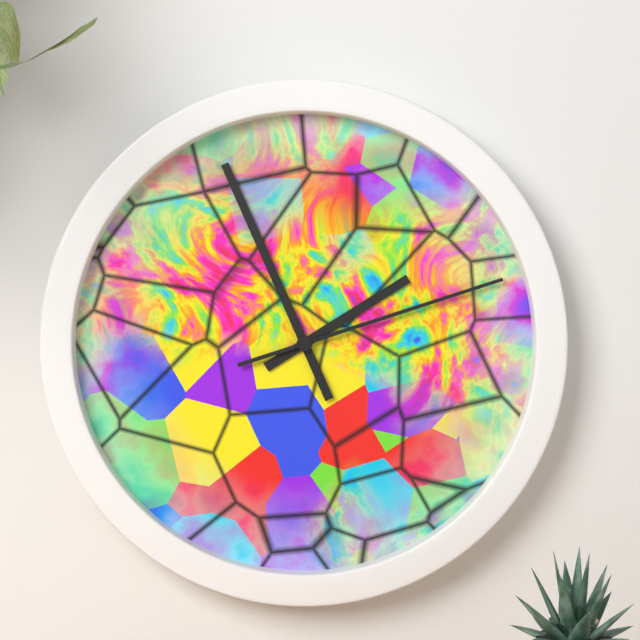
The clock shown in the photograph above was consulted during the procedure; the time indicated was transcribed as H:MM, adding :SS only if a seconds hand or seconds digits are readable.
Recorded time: 1:56:12
